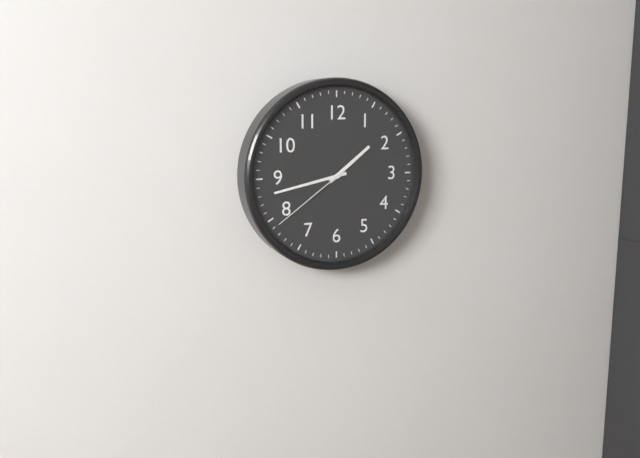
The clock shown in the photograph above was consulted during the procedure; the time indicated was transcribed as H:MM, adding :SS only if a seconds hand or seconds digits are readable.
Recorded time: 1:43:39
